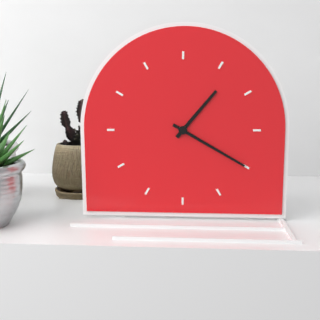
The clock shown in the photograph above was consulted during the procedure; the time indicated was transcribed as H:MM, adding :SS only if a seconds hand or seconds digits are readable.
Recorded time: 1:20
